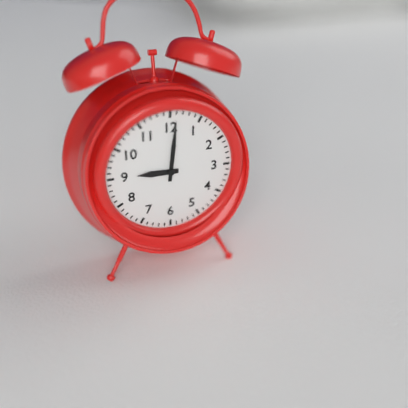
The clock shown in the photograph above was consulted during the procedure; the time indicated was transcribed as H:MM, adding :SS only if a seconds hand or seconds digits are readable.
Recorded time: 9:01
